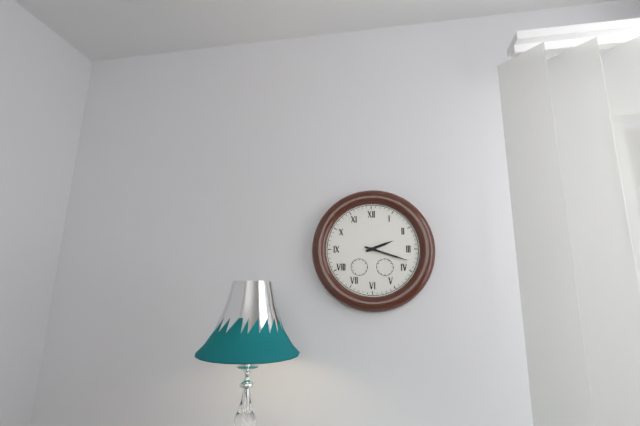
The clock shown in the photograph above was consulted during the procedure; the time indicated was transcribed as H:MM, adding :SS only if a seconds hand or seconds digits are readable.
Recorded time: 2:18
